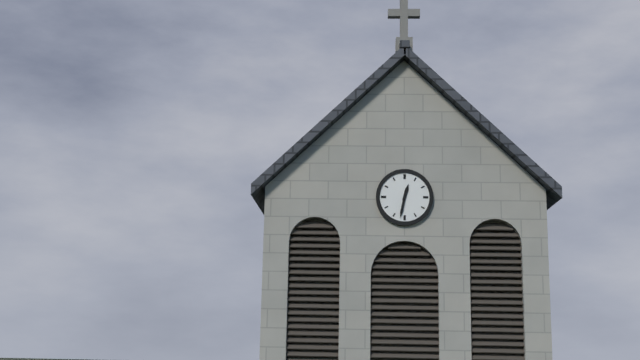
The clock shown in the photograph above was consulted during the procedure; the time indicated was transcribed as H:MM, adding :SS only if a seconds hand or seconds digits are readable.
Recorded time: 12:32
